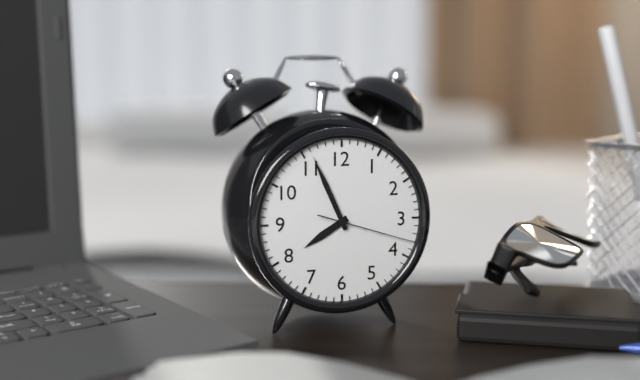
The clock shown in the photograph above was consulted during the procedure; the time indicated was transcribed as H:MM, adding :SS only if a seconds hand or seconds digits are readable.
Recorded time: 7:56:18
